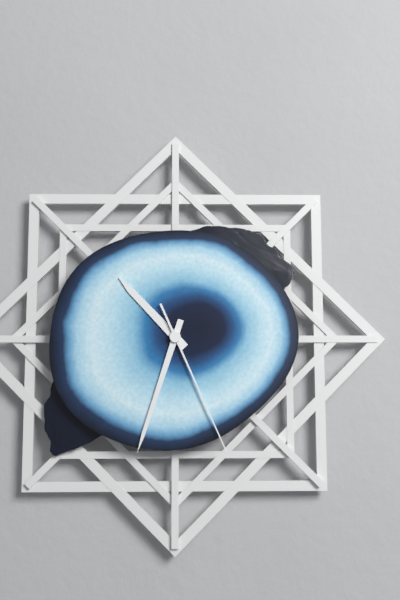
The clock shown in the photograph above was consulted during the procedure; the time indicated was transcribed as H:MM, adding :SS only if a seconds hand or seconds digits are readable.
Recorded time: 10:33:26
